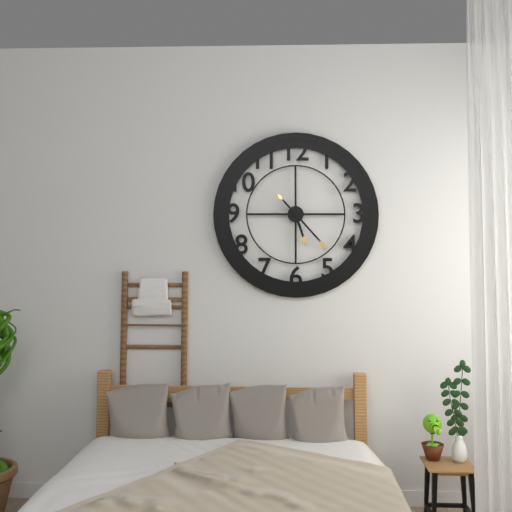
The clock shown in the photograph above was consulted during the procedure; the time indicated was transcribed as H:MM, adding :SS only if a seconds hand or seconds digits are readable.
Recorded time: 5:23
